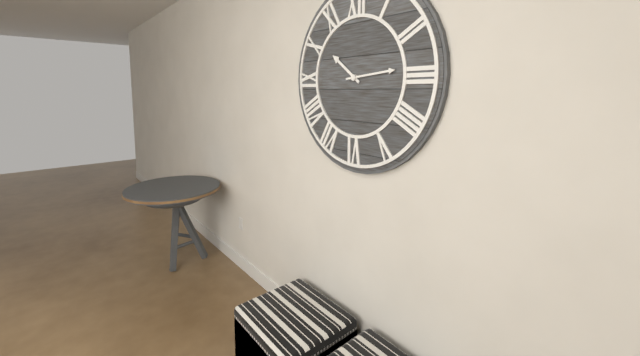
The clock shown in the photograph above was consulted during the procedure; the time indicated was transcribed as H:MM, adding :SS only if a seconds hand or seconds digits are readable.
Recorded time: 10:14
